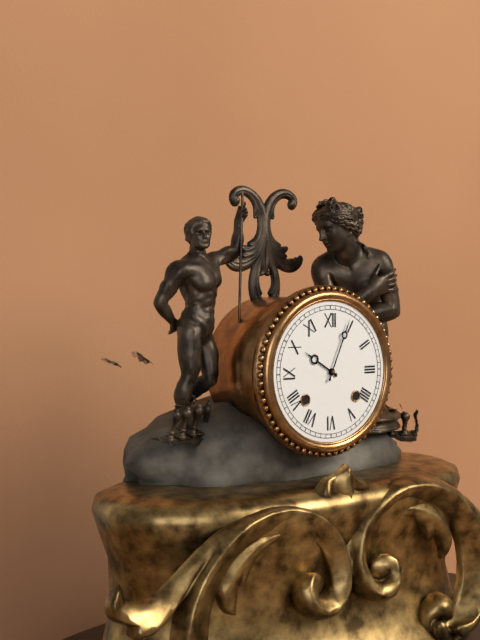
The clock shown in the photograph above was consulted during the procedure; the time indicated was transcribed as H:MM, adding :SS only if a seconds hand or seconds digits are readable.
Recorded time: 10:04
